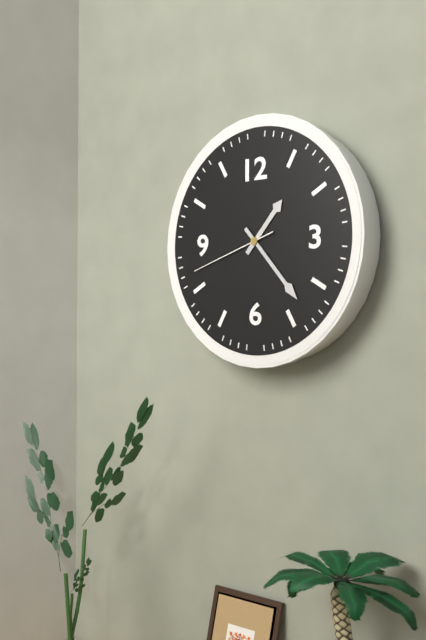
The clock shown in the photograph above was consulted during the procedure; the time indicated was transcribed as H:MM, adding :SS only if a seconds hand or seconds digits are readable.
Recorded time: 1:23:42
